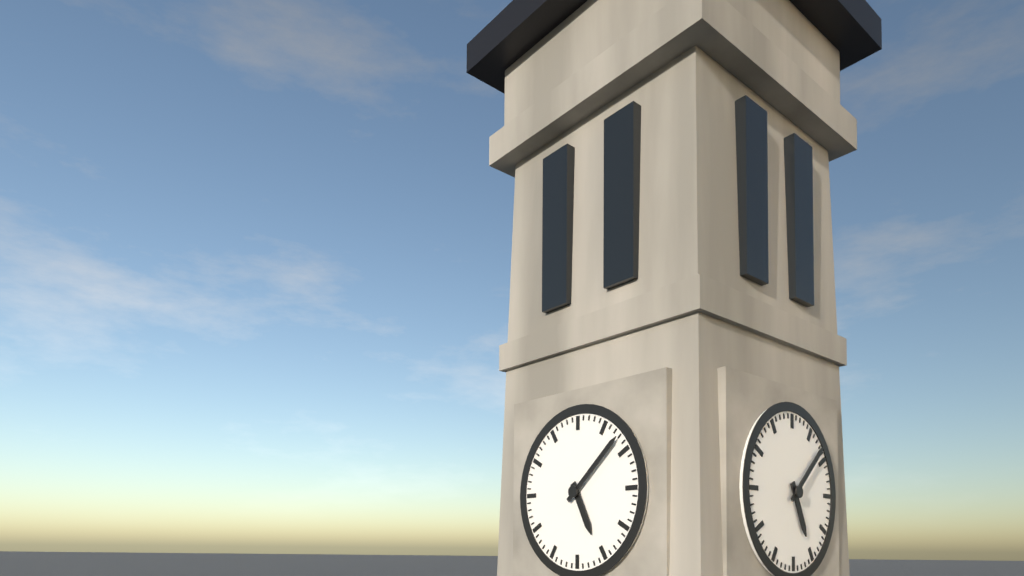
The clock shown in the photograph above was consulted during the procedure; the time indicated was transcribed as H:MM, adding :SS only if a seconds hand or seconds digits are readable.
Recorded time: 5:08
